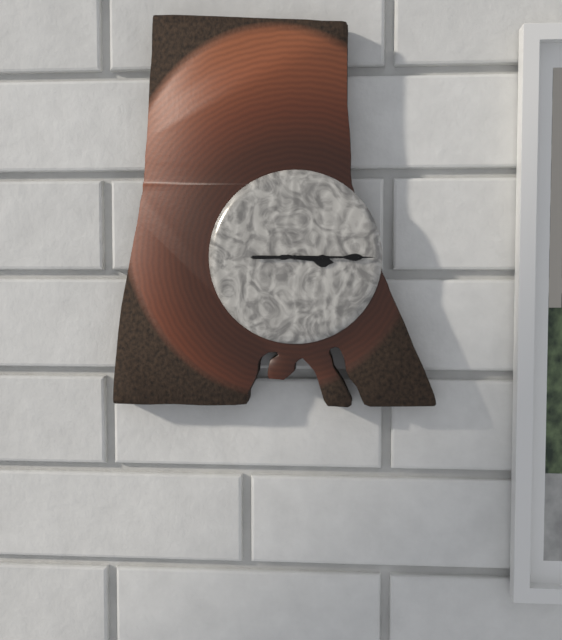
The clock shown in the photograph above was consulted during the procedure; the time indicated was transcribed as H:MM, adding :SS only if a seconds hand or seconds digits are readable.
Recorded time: 3:15:15
